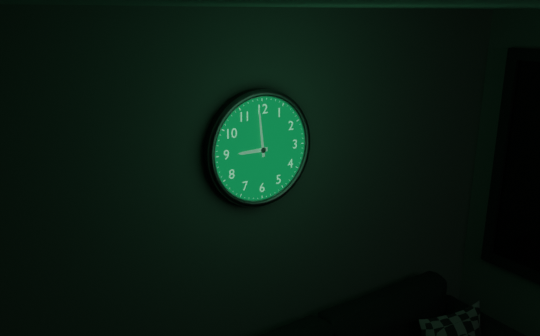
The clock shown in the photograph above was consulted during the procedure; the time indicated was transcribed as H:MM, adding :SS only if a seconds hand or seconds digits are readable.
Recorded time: 8:59
